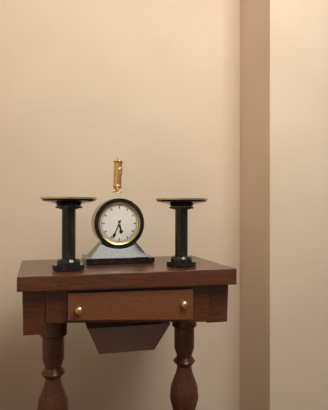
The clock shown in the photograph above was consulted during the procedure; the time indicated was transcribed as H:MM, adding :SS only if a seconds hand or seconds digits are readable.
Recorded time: 5:34
